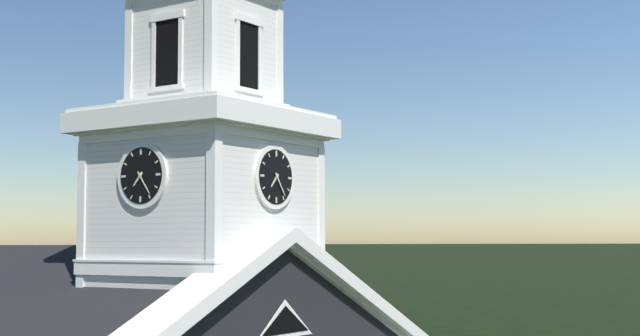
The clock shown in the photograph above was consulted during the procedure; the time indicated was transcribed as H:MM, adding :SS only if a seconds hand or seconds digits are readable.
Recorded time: 7:24
